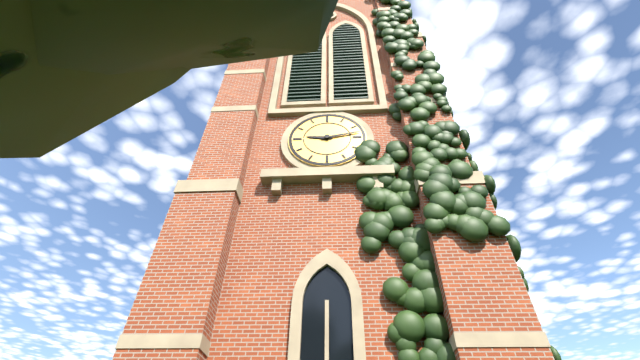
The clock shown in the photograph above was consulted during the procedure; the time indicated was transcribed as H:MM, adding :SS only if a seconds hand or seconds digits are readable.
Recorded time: 9:13
